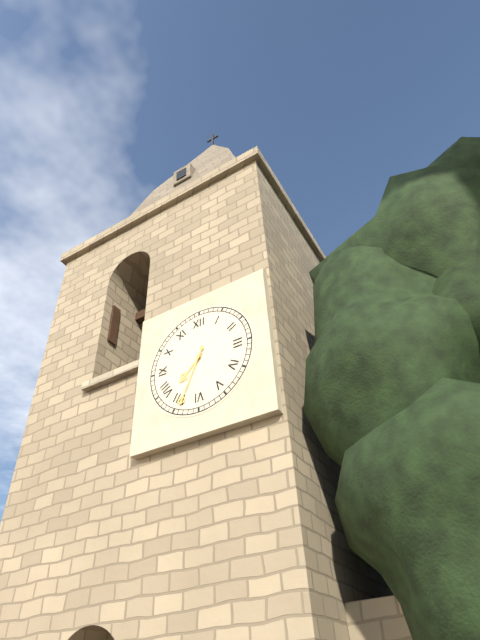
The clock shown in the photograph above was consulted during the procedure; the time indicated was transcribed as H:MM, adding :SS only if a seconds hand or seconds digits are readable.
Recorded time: 7:34
